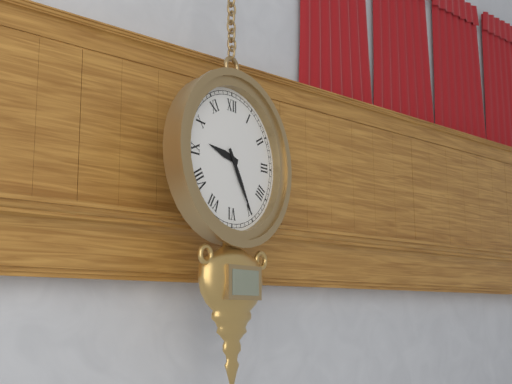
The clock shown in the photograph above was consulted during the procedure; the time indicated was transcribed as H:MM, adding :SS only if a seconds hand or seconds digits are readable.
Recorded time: 9:25
